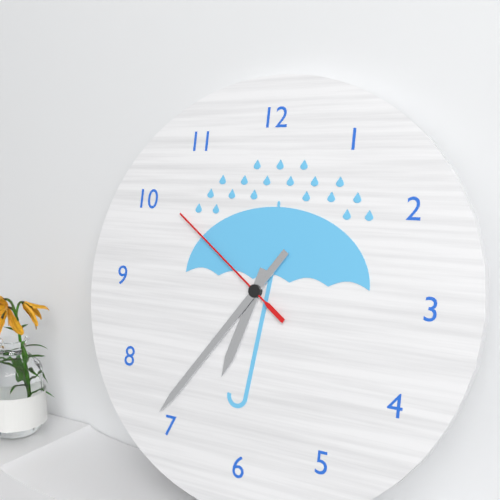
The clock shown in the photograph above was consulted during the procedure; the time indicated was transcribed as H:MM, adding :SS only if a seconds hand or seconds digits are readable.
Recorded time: 6:36:51
